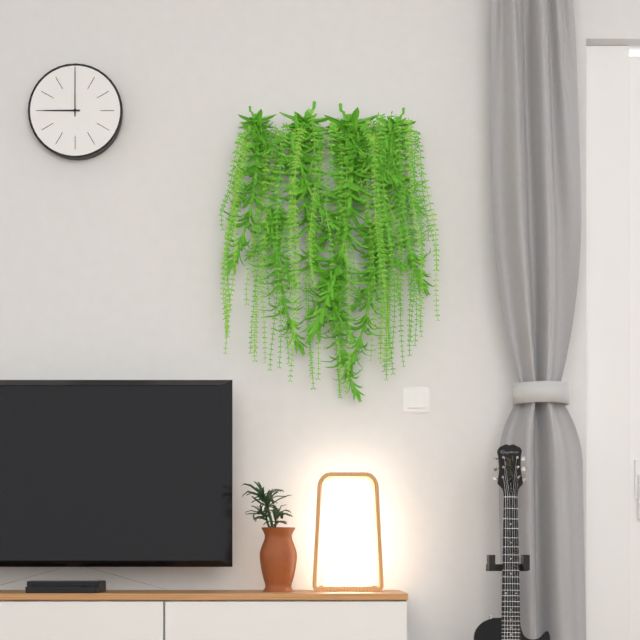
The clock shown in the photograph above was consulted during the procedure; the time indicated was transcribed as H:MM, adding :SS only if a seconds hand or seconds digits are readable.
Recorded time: 9:00
